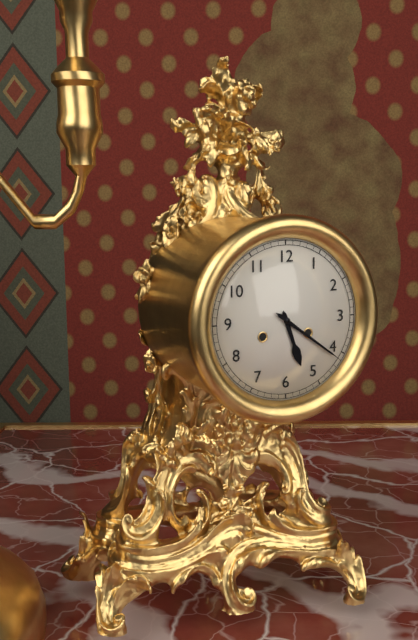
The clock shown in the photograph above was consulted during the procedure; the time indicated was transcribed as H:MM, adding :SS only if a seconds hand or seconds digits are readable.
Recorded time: 5:21
